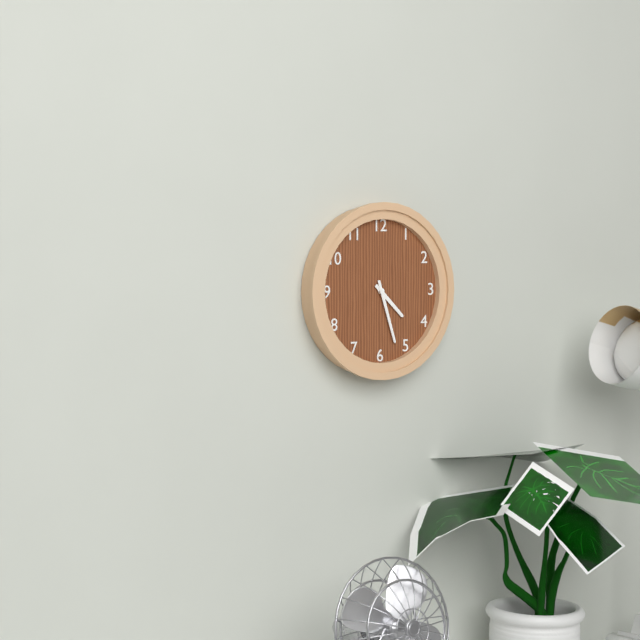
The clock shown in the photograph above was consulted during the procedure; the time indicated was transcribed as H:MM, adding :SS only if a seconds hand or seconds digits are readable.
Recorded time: 4:27
